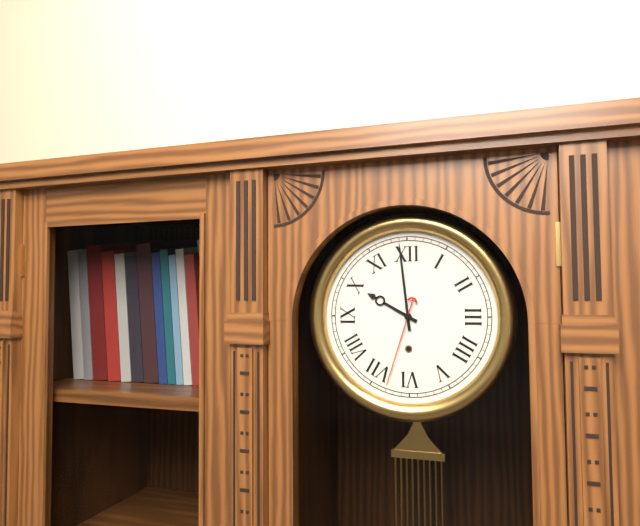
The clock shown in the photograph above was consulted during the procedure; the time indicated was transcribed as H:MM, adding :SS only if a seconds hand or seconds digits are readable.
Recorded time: 9:59:33
